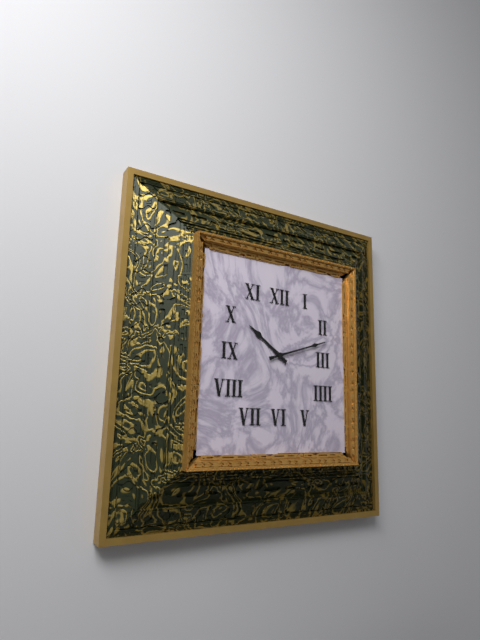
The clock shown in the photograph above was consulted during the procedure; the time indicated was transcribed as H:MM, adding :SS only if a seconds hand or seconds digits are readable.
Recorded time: 10:12
